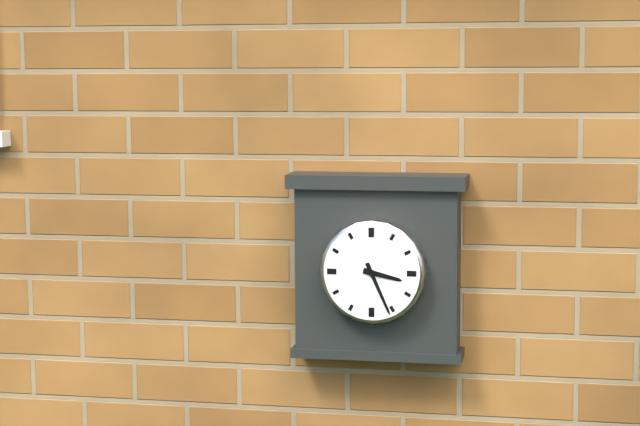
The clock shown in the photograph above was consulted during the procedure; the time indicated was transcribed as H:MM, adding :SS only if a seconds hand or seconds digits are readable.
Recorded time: 3:26
